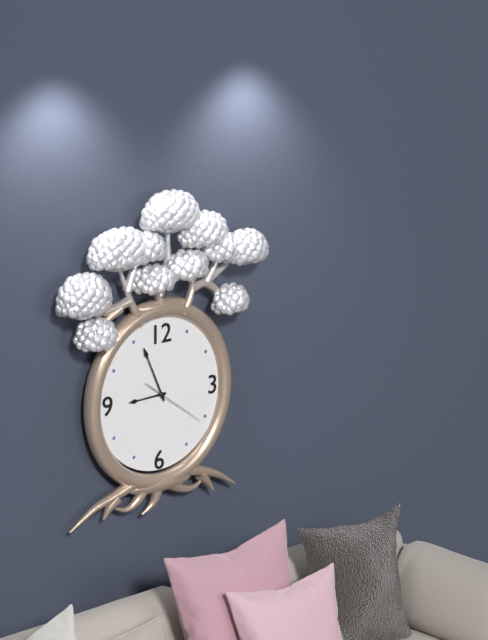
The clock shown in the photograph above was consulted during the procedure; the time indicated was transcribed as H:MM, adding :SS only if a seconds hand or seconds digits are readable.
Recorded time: 8:56:21
